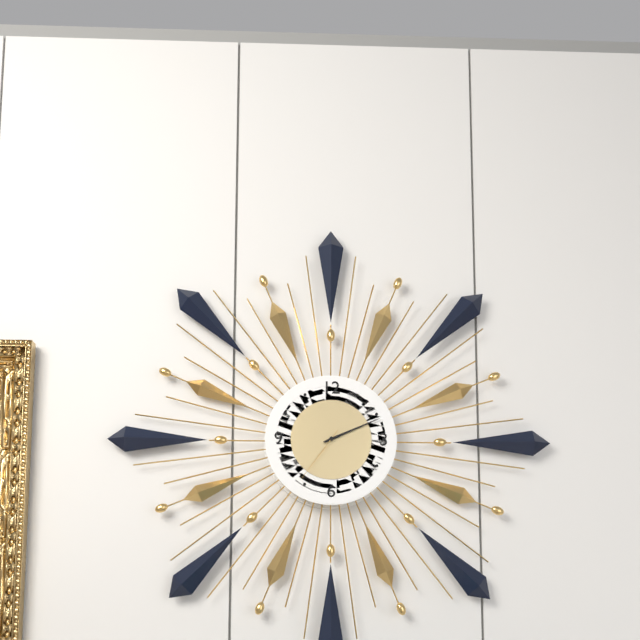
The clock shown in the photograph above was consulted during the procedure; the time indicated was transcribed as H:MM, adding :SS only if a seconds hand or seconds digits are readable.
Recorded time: 2:11:36
